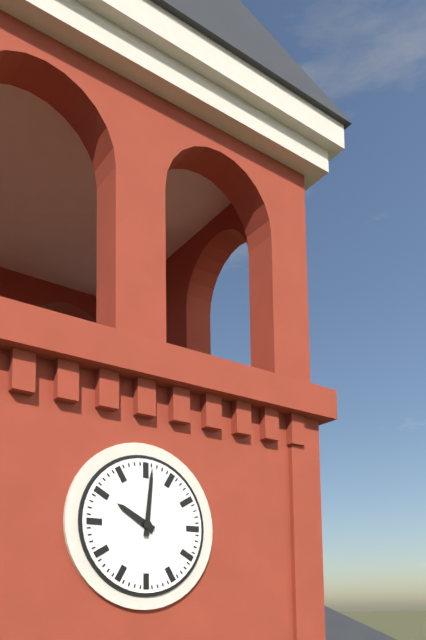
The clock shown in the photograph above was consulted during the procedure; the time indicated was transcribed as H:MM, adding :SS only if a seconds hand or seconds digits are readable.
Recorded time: 10:01
